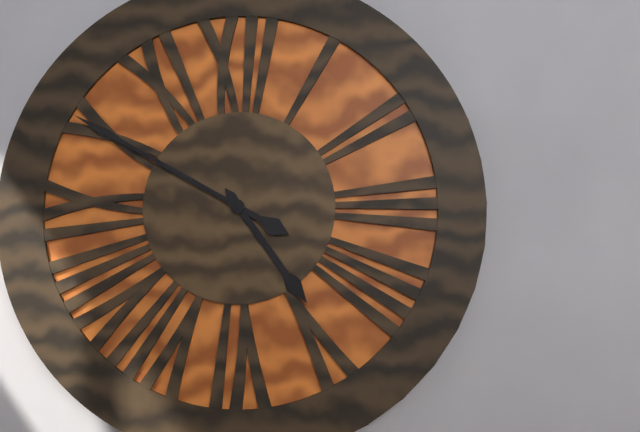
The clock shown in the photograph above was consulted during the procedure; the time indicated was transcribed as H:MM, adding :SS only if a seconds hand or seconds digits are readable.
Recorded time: 4:50
